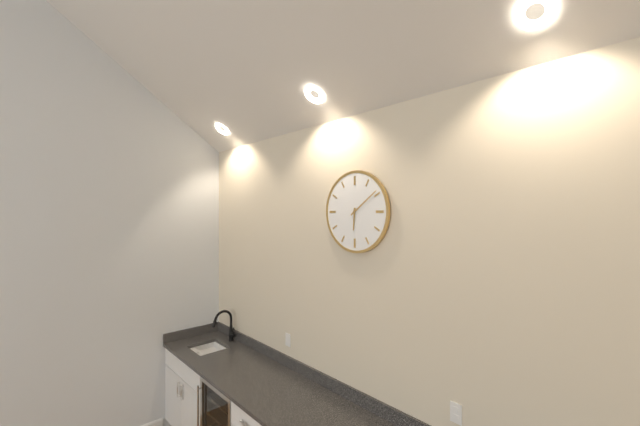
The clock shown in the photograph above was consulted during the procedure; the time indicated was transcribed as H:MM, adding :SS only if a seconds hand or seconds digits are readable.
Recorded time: 6:09
